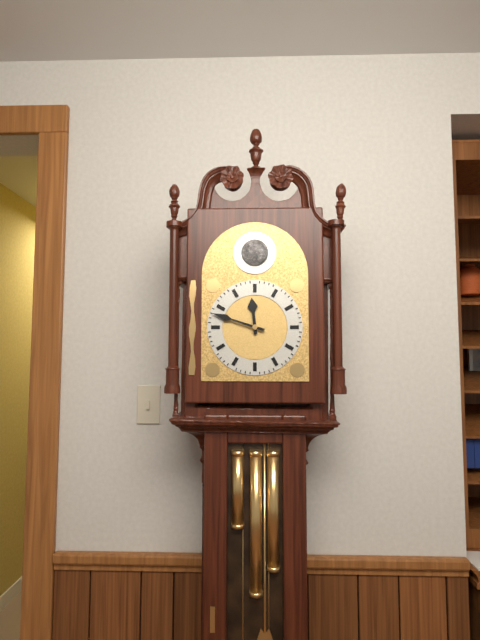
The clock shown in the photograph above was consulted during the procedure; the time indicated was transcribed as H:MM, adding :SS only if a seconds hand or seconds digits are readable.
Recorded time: 11:48
